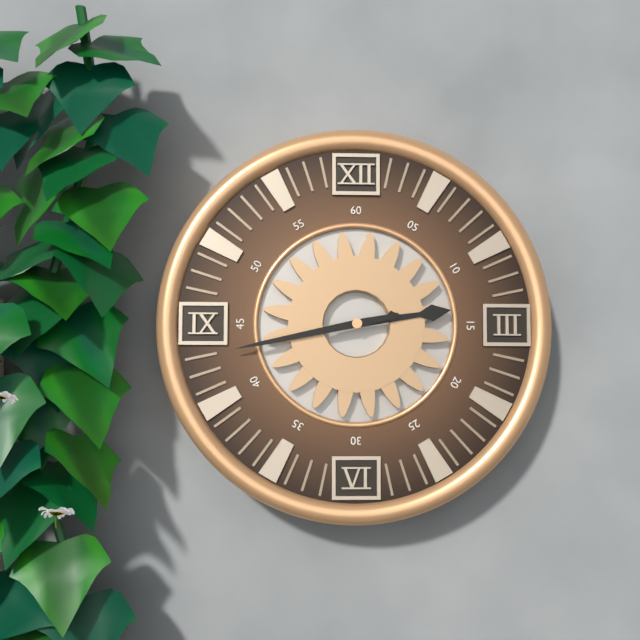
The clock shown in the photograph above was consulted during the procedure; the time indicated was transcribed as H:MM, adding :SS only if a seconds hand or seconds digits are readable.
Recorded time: 2:43
